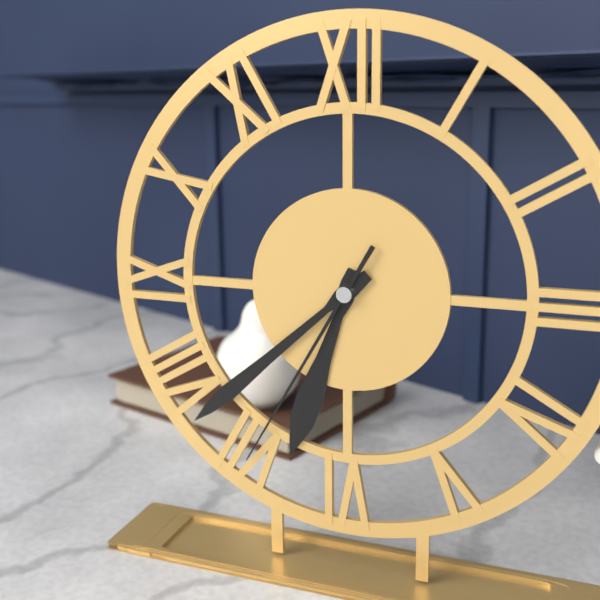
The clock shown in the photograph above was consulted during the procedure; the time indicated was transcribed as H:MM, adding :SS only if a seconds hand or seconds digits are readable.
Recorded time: 6:38:35
